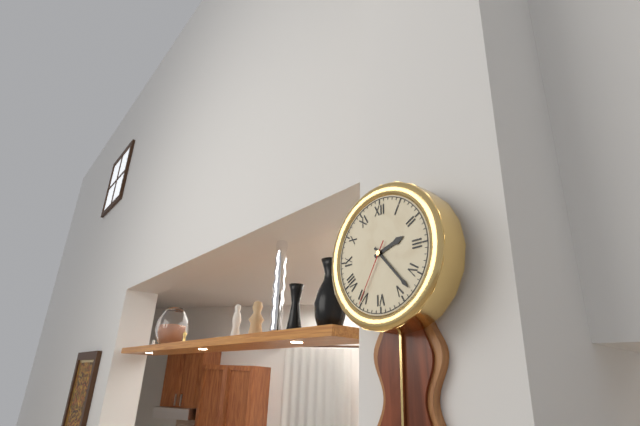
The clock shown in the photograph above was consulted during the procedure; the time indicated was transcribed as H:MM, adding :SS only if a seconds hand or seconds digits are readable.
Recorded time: 2:23:35
